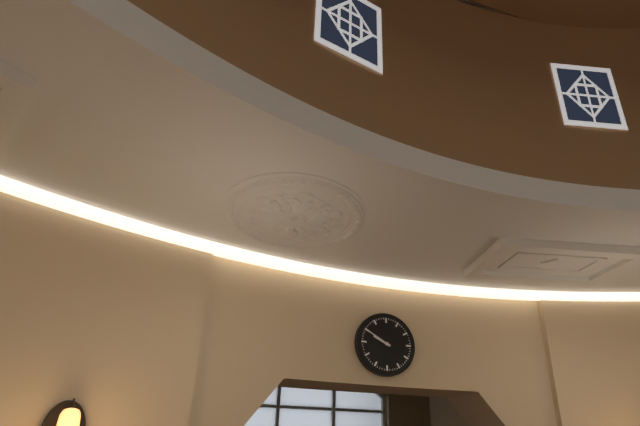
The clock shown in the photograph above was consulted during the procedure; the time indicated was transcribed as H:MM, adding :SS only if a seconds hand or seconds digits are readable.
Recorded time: 9:50
